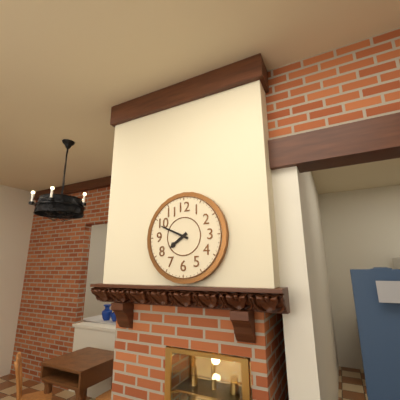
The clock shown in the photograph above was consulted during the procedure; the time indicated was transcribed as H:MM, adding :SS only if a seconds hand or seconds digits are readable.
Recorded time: 7:49
